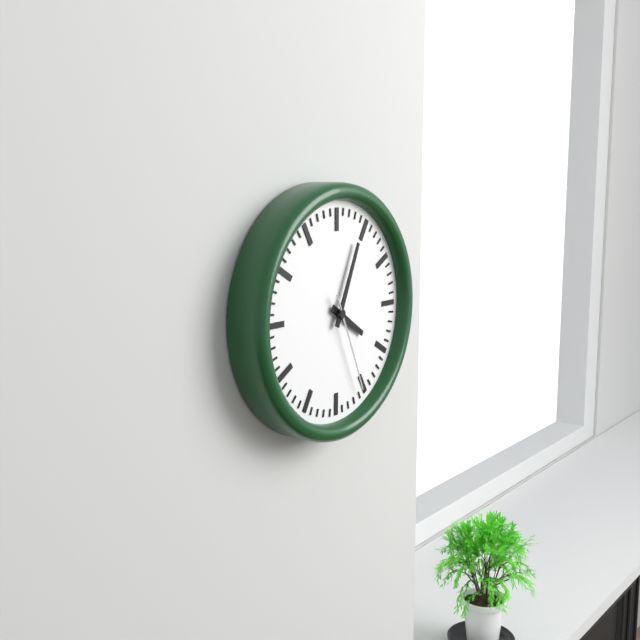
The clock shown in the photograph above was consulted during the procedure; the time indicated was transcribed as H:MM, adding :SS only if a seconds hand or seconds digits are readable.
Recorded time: 4:04:26
